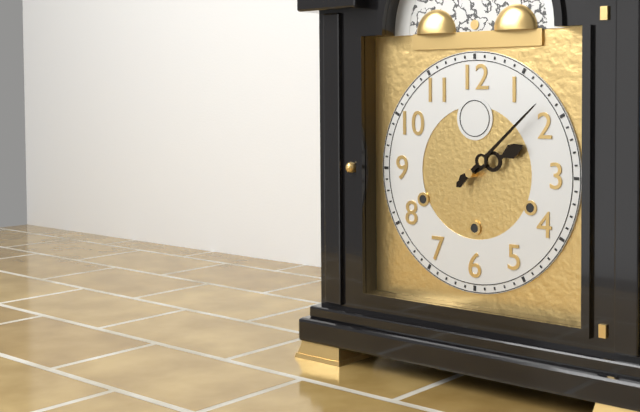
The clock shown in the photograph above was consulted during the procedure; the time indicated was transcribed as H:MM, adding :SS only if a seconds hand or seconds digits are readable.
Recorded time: 2:08
